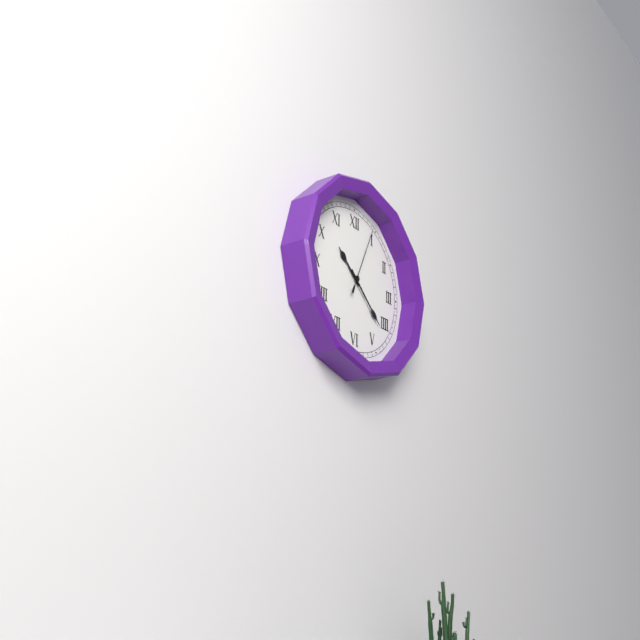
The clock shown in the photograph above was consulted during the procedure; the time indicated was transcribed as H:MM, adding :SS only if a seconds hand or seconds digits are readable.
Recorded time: 10:22:04
